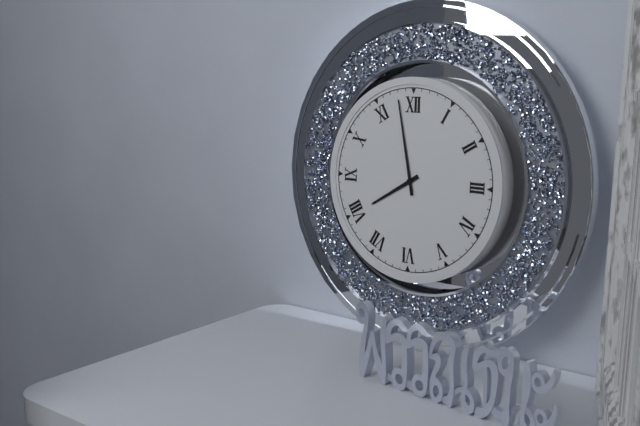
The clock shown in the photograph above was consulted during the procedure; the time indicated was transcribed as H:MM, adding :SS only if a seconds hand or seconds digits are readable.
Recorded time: 7:58
